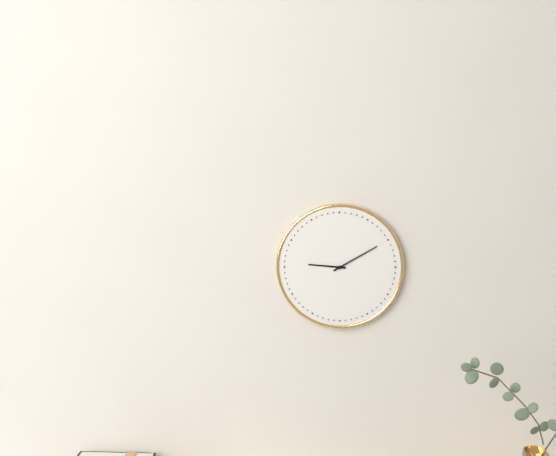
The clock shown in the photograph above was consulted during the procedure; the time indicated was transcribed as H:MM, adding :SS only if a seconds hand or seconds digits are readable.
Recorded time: 9:10
